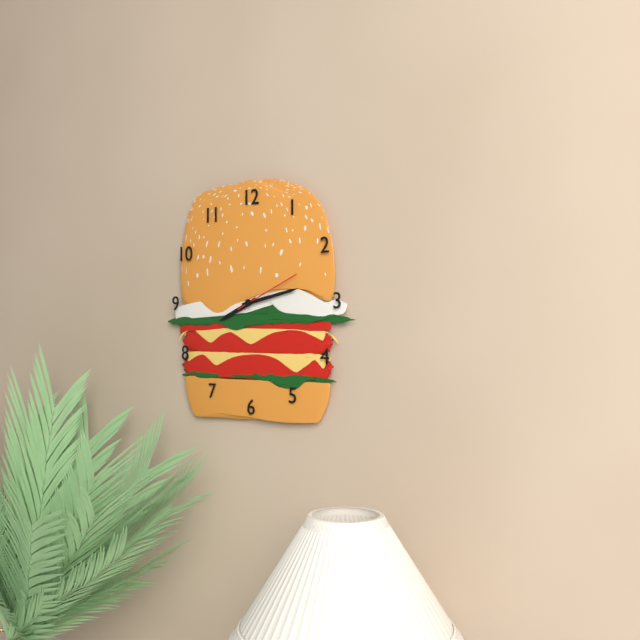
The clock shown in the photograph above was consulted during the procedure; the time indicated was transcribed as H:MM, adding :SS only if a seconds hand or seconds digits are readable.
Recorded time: 8:13:11
